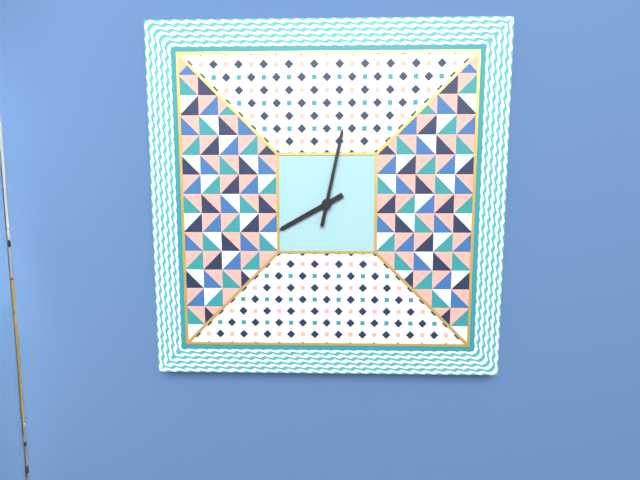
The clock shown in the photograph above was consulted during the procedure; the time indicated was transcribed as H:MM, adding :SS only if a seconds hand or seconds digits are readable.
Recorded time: 8:02
